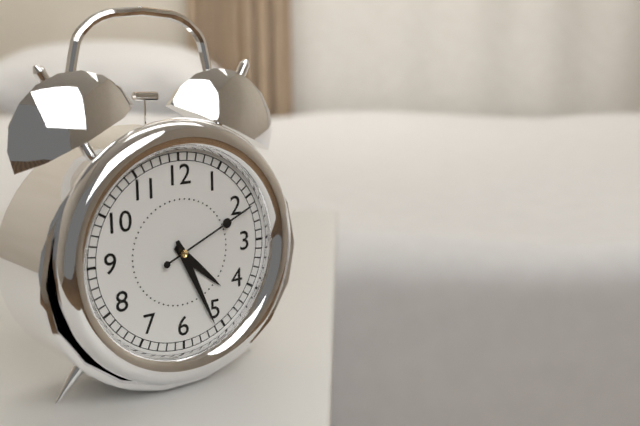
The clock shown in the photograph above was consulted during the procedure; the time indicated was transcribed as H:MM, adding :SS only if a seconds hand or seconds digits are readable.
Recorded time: 4:26:11
